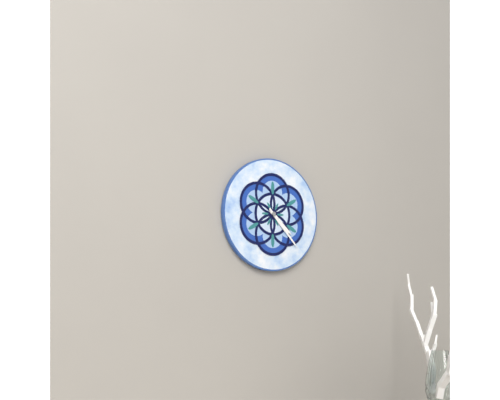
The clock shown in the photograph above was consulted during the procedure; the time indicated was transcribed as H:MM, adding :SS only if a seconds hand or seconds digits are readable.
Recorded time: 4:23
